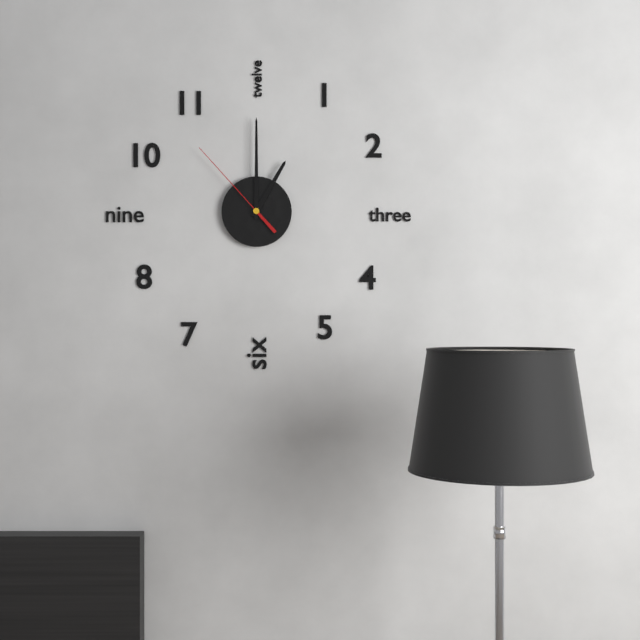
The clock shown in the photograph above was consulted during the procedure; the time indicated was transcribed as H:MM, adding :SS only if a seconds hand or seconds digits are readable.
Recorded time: 1:00:53
